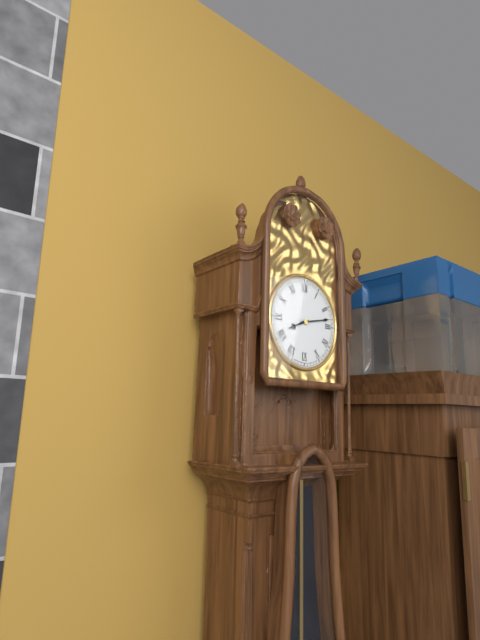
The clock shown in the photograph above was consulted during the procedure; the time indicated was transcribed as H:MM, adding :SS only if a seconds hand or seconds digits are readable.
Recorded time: 8:13
